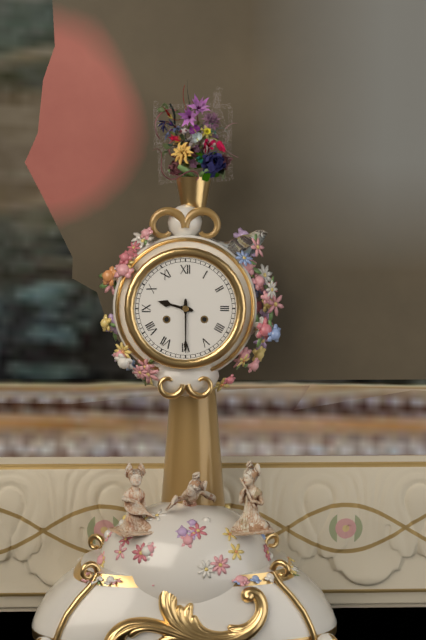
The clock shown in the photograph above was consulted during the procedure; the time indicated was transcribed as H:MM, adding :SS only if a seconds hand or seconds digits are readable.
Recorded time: 9:30
